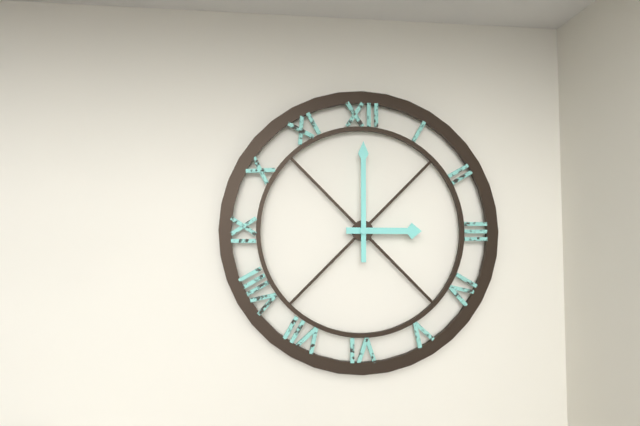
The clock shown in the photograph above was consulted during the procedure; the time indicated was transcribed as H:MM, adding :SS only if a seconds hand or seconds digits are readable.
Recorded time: 3:00
